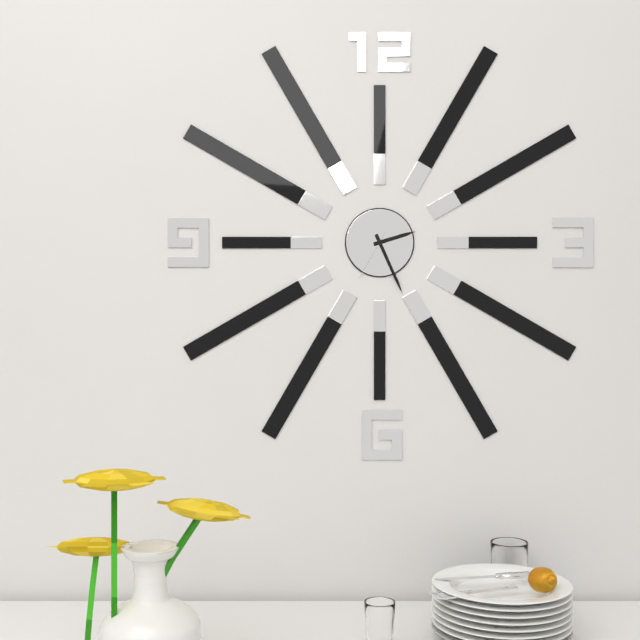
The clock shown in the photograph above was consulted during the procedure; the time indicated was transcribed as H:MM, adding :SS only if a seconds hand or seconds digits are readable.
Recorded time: 2:26:35
